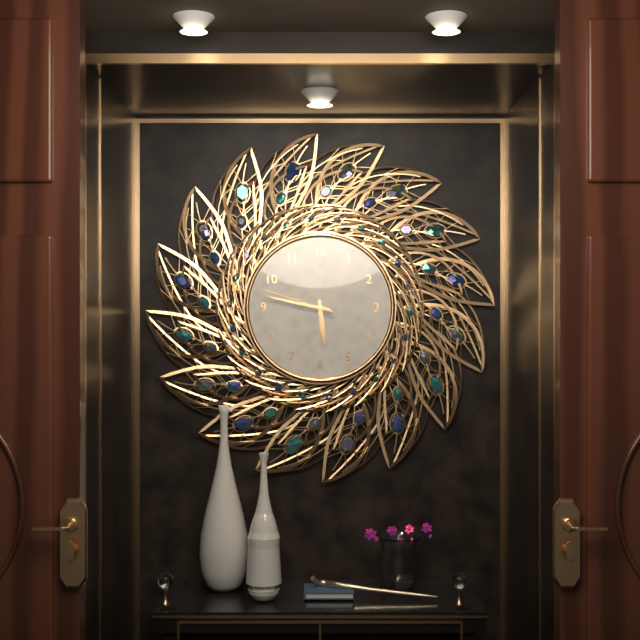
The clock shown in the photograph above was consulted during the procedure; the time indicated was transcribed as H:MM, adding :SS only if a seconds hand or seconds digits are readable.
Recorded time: 5:47:48
